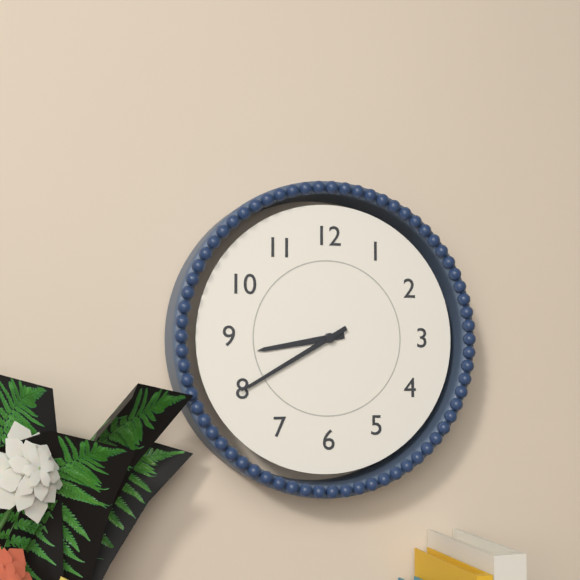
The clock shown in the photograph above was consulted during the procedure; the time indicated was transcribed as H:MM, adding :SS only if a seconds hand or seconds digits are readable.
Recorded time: 8:40
